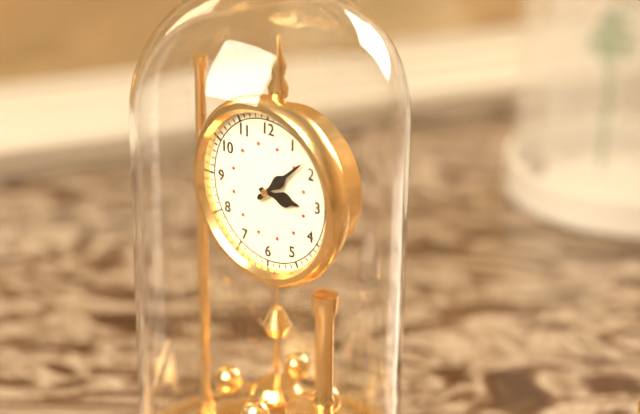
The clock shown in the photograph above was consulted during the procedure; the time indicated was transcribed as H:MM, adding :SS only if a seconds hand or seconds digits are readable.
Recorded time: 3:08
